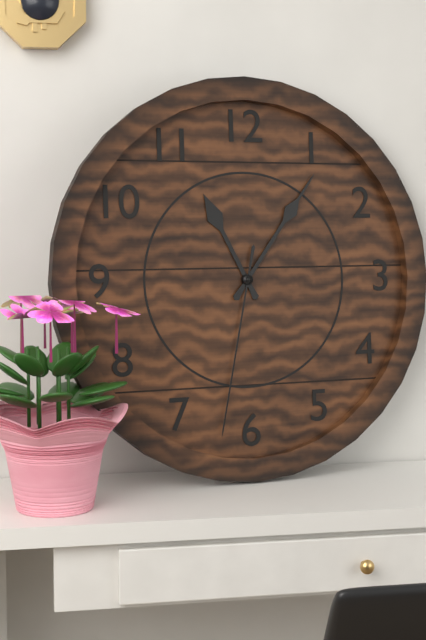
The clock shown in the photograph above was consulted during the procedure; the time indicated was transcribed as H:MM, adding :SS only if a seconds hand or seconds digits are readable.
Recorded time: 11:06:32
